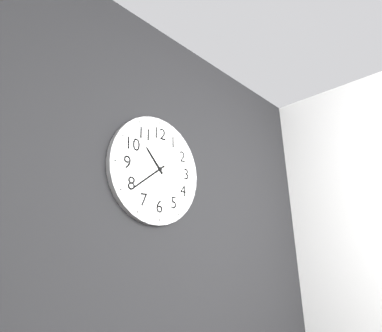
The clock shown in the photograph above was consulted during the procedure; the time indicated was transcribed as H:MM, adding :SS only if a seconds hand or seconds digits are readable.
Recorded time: 10:39
